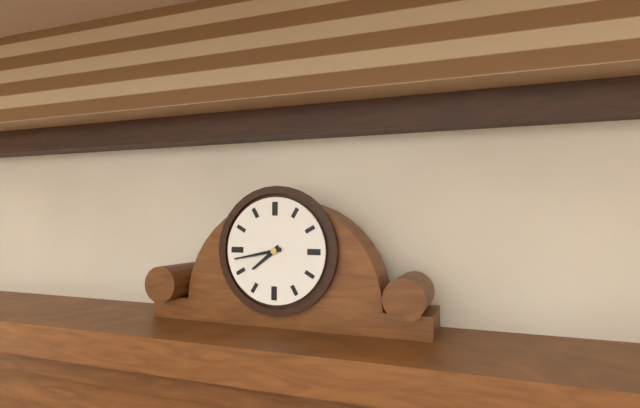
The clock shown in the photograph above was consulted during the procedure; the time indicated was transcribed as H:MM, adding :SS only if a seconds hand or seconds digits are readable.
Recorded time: 7:43
